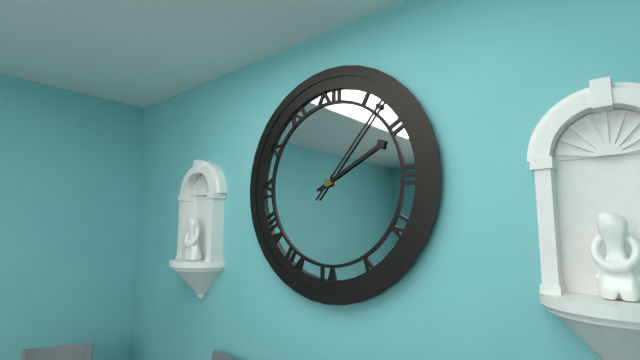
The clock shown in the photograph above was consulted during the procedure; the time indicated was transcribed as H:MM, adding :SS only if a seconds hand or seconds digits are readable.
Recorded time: 2:07
